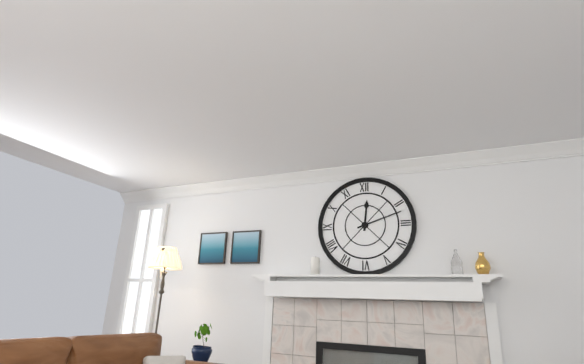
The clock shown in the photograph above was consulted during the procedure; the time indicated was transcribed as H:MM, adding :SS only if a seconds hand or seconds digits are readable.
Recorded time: 12:12
